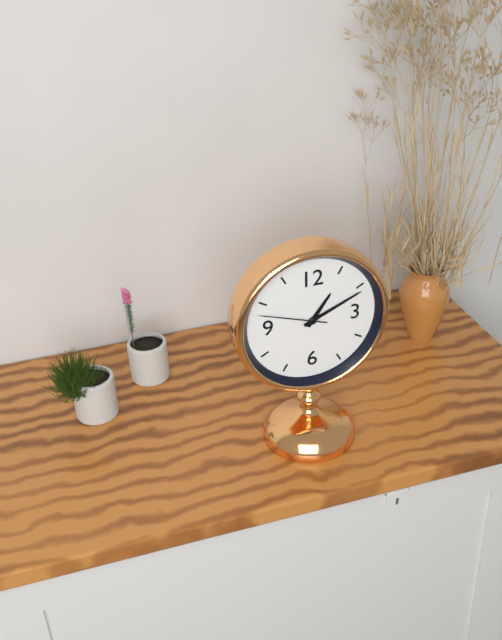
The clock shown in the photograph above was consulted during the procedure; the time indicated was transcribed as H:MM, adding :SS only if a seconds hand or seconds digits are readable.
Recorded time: 1:11:48
